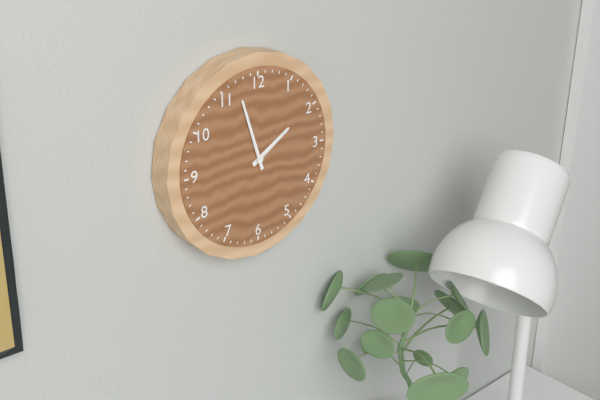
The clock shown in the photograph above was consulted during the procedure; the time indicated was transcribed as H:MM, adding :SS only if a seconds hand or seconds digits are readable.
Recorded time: 1:57
